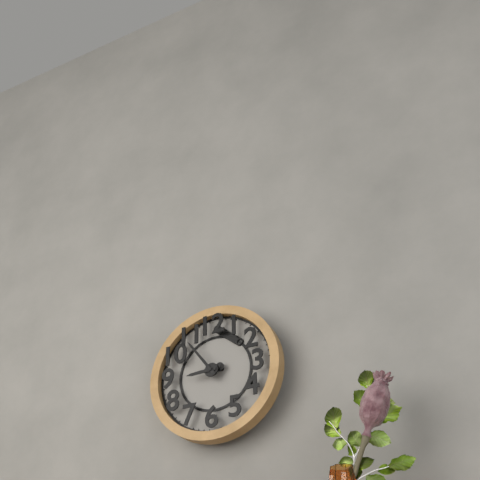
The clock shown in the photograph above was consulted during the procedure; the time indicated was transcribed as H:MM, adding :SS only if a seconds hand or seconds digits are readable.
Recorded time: 8:54
